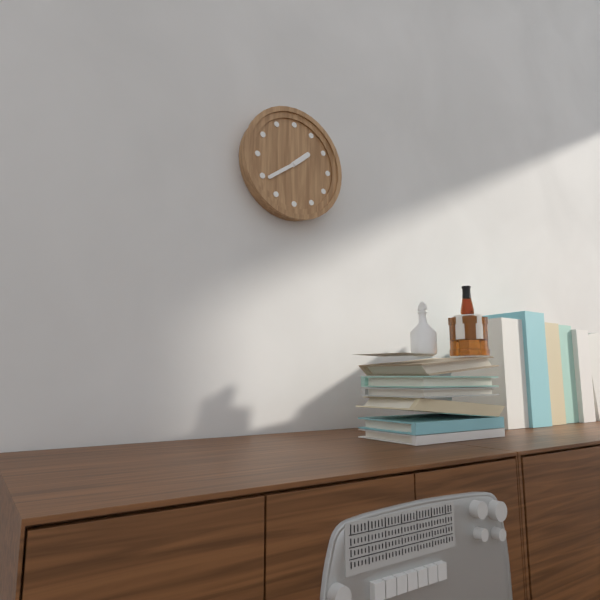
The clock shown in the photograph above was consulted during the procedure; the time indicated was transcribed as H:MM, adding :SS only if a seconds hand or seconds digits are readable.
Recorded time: 1:39
